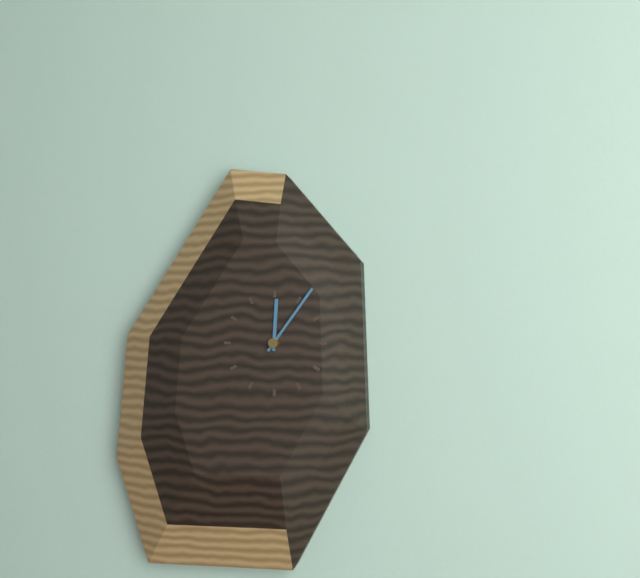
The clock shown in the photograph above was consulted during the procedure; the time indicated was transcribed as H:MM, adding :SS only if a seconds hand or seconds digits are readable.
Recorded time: 12:06
